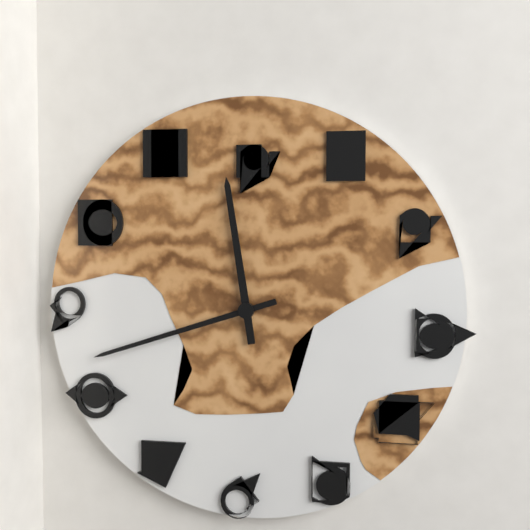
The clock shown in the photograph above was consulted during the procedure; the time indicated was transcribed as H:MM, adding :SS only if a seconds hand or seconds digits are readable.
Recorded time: 11:42
